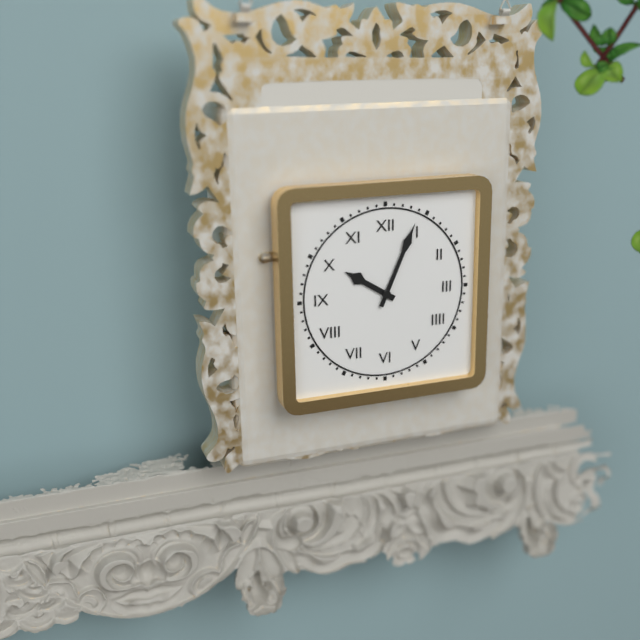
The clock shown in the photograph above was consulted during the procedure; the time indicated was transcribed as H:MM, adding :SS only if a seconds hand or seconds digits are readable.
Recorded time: 10:04
